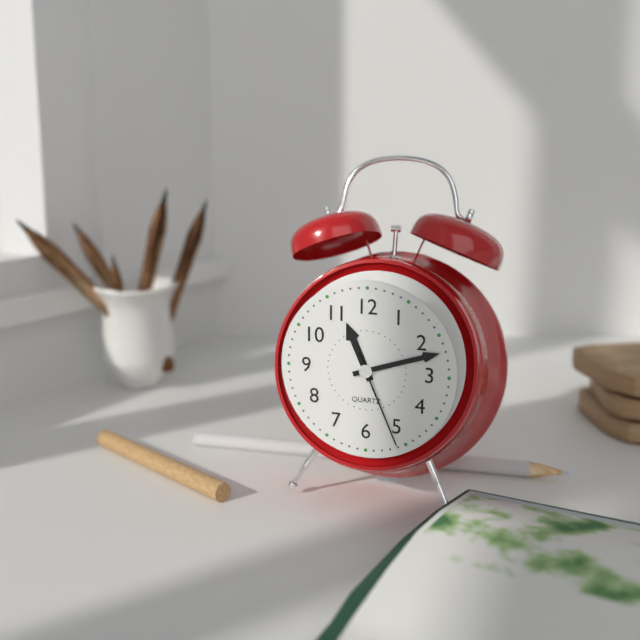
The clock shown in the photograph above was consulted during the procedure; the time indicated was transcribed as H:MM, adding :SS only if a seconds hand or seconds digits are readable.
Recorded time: 11:12:26
